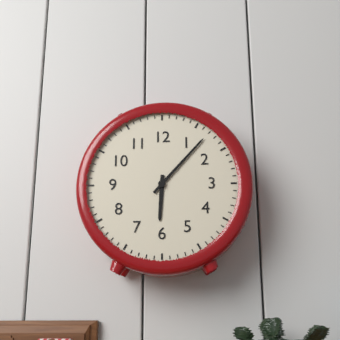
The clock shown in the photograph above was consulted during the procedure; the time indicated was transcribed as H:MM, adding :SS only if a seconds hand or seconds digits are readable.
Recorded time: 6:07
